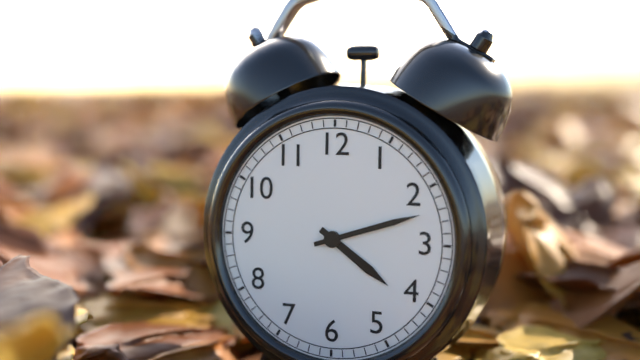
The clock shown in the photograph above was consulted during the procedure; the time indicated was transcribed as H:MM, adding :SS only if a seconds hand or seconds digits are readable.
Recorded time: 4:12
